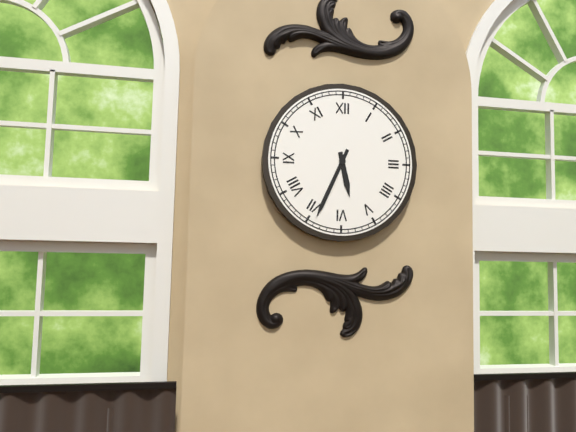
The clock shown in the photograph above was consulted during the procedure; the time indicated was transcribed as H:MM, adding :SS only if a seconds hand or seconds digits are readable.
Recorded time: 5:34
